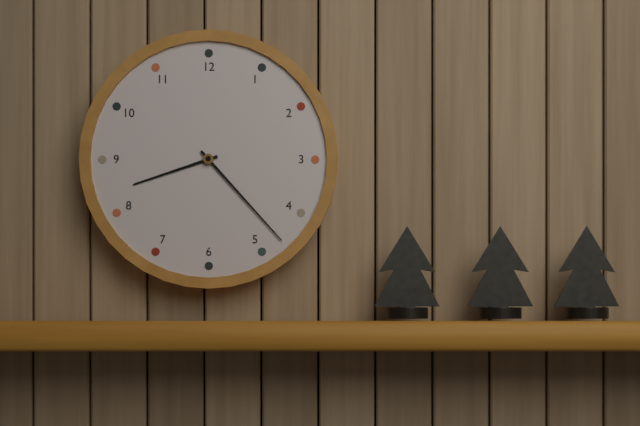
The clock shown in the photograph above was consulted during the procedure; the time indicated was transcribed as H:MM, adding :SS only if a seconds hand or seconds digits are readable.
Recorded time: 8:23
